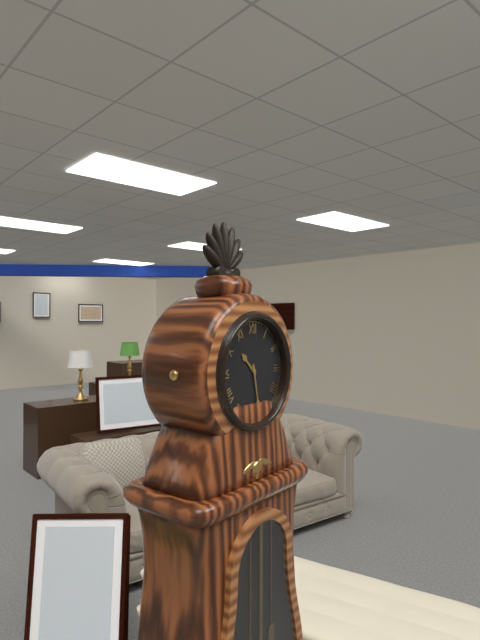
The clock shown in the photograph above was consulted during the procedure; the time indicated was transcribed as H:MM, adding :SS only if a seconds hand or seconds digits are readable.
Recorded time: 10:28
